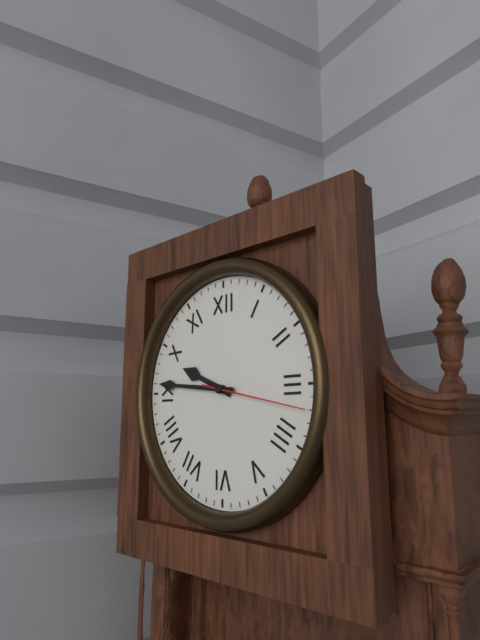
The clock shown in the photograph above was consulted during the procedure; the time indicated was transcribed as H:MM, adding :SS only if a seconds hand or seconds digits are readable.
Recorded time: 9:46:17
